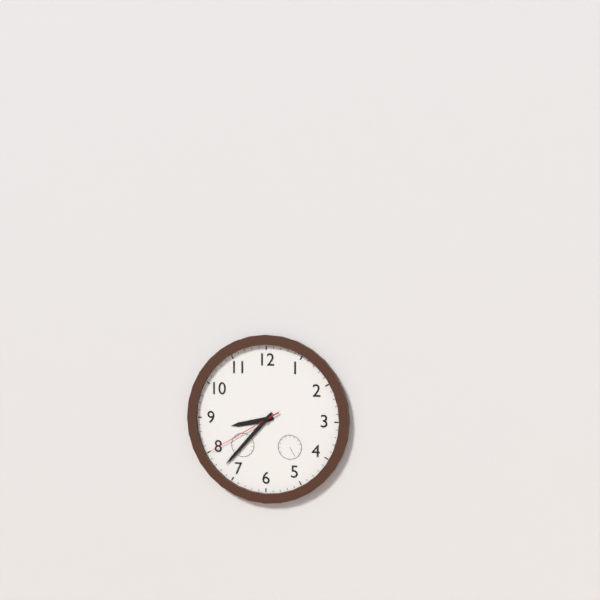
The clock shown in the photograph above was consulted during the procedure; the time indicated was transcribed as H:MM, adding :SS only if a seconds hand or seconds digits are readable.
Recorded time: 8:37:40
